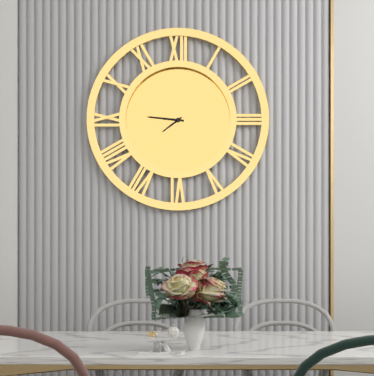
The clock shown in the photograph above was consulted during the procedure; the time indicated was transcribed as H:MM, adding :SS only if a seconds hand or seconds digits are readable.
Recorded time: 7:46
